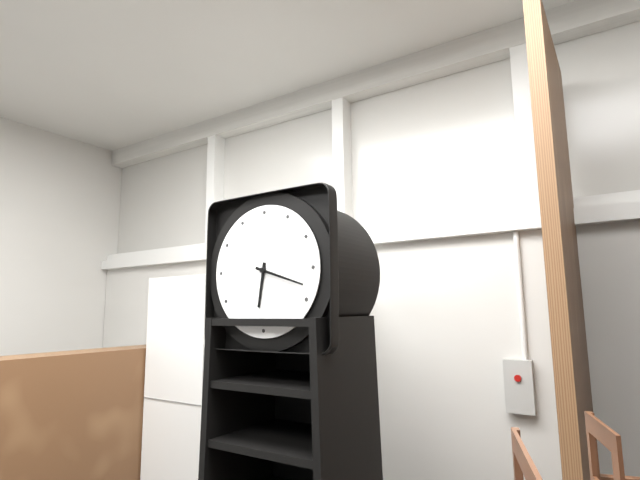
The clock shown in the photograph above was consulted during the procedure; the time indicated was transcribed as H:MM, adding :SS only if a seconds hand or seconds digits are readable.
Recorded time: 6:18
